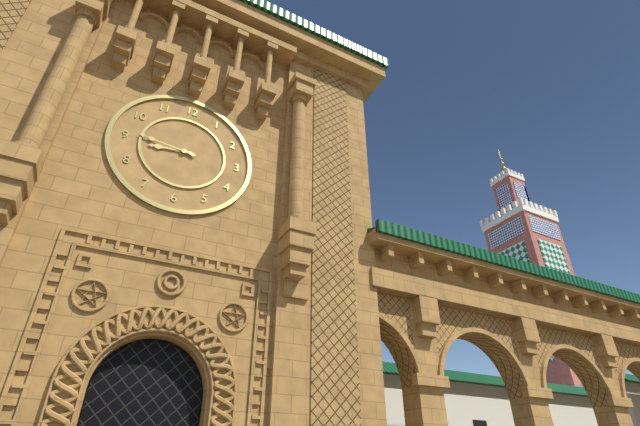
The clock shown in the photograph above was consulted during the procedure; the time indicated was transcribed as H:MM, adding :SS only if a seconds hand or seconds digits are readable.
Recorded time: 8:46
